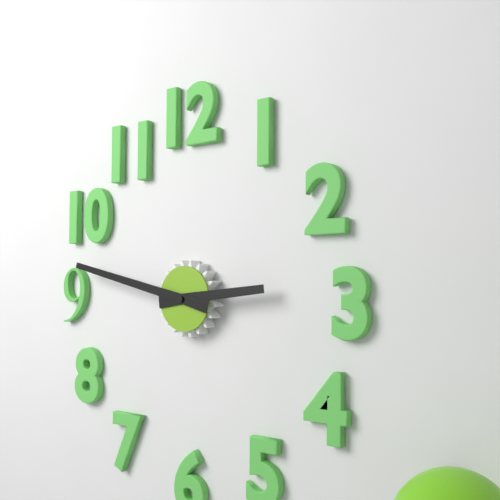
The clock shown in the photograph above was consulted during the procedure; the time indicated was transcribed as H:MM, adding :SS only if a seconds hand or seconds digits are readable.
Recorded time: 2:47
